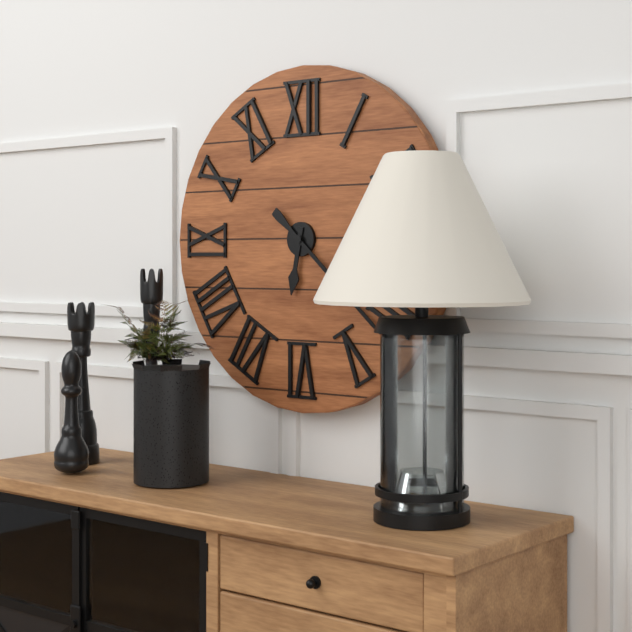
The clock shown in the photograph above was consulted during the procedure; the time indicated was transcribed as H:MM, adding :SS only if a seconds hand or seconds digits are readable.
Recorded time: 6:22
